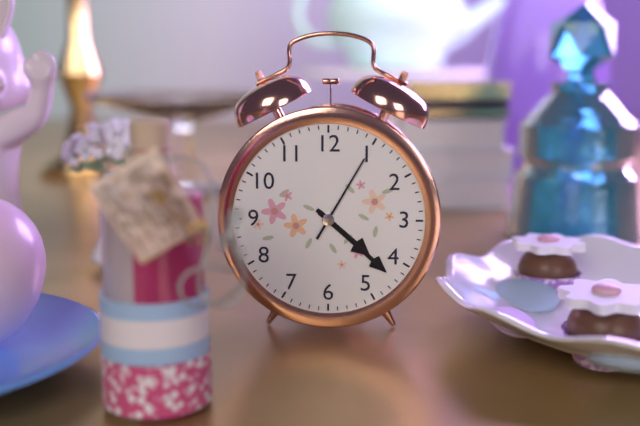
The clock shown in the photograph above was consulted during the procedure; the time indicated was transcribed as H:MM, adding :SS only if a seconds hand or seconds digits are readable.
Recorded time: 4:22:05
